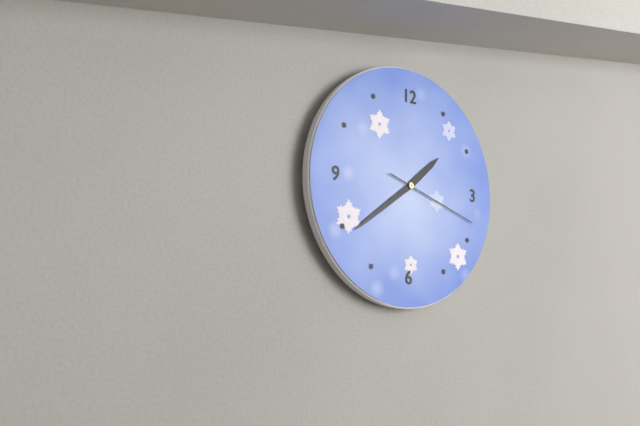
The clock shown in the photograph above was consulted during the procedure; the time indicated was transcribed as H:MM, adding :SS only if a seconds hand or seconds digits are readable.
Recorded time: 1:39:18
